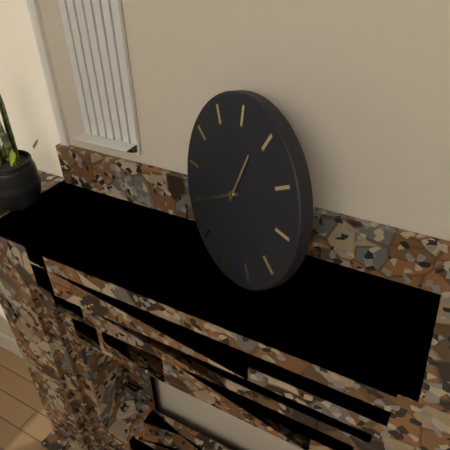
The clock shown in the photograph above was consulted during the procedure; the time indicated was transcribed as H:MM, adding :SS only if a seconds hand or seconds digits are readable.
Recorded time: 12:40
